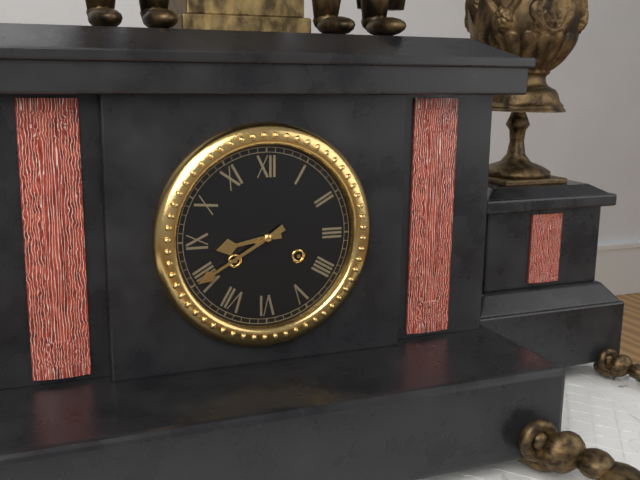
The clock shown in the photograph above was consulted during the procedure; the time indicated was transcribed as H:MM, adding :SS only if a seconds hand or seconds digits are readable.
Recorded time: 8:40
